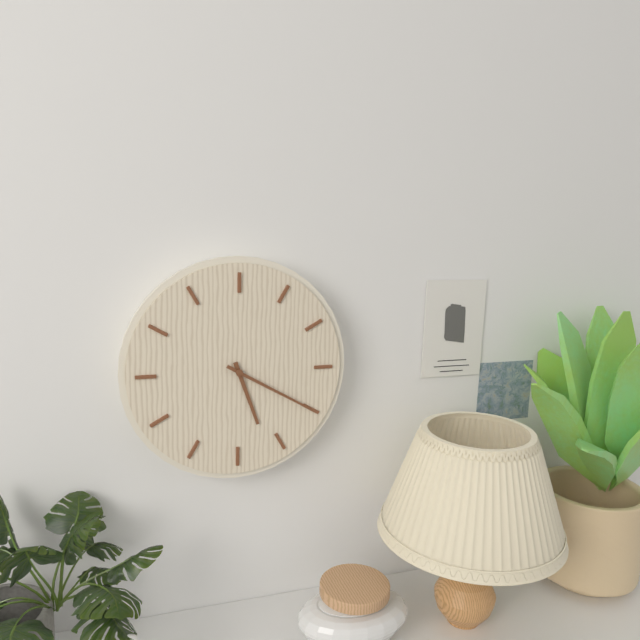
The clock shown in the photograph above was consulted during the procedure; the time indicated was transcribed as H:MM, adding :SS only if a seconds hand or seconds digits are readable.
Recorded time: 5:20
